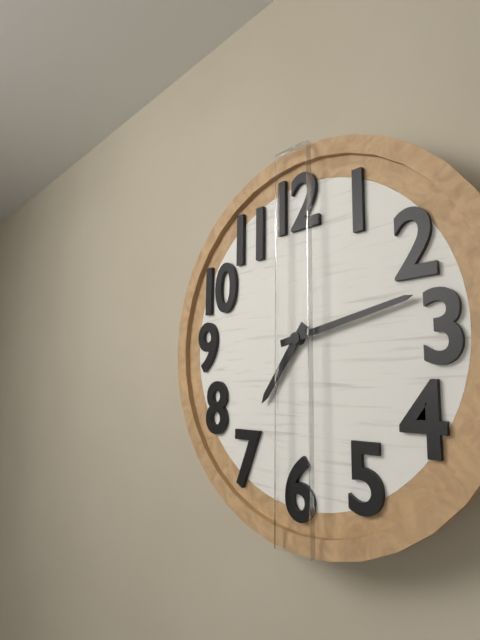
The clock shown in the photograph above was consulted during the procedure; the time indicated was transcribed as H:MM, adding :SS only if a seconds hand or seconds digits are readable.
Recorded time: 7:13
